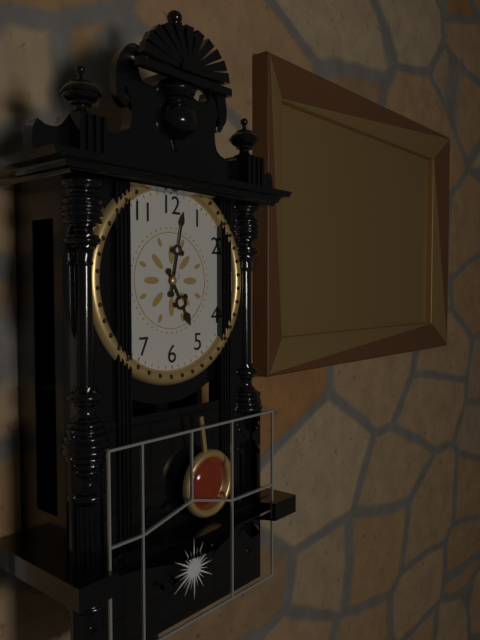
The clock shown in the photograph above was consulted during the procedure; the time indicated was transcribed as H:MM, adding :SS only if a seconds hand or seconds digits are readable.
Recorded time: 5:02
